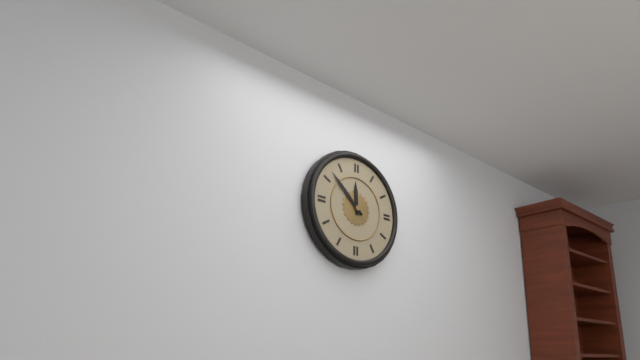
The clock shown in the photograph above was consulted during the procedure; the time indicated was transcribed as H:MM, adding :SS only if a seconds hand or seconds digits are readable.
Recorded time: 11:52
